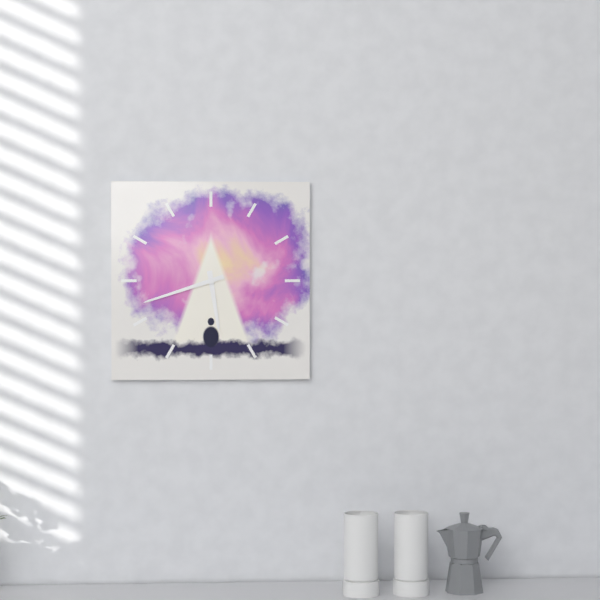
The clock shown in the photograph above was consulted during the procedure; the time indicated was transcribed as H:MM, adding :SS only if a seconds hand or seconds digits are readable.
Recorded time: 5:42
